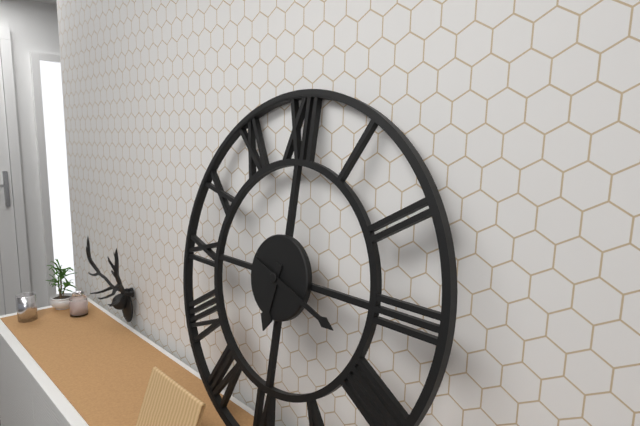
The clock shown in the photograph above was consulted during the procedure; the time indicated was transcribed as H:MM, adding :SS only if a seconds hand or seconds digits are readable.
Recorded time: 6:18
